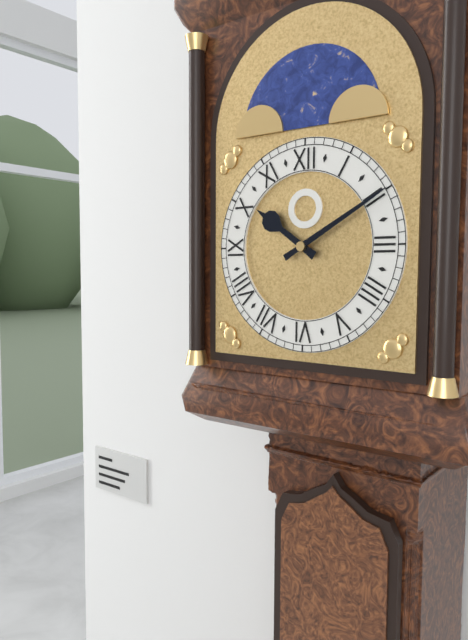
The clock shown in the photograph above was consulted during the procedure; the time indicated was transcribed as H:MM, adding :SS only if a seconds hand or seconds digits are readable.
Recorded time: 10:10
